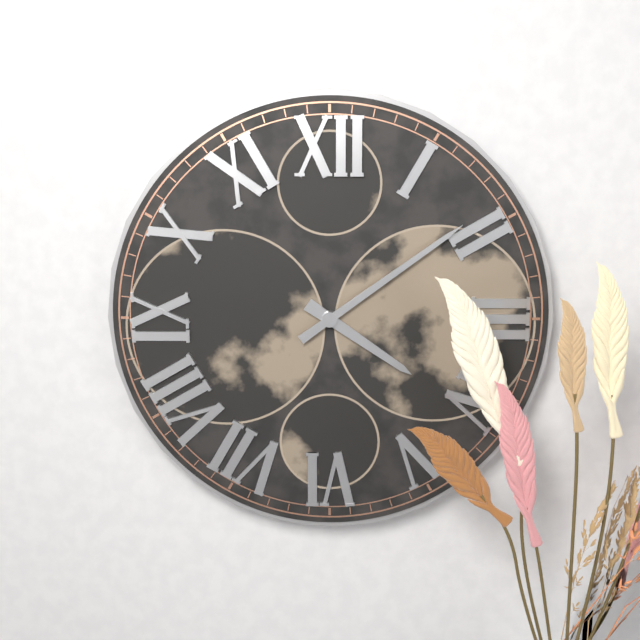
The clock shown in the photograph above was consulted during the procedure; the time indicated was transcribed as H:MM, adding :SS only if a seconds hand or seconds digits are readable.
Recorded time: 4:09
